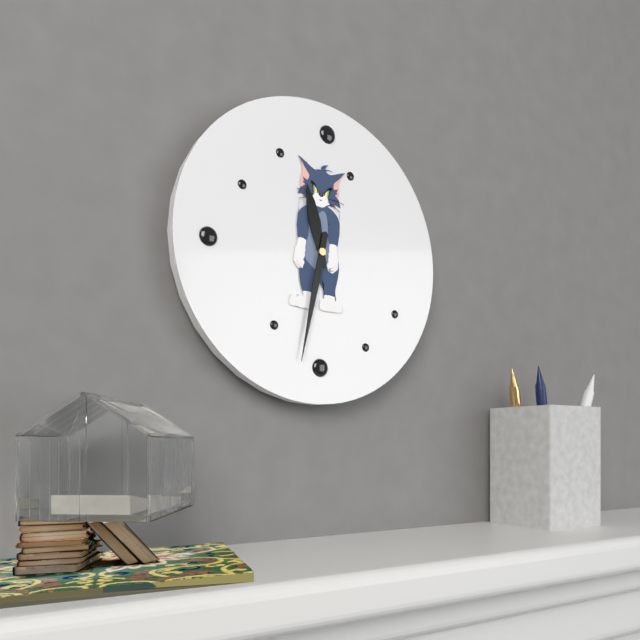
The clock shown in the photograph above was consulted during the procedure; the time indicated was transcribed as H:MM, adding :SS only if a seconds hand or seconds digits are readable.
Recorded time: 11:32
